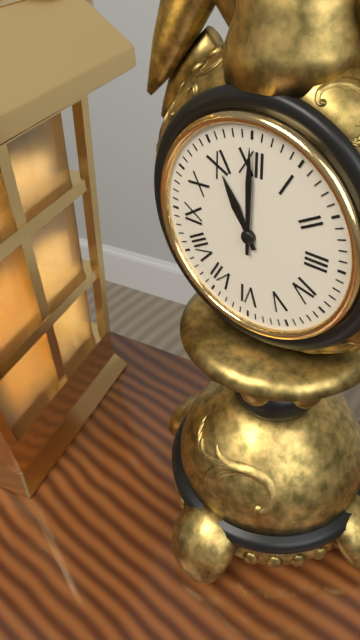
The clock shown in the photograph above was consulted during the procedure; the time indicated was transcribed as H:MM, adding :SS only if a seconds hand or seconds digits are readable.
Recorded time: 11:00
